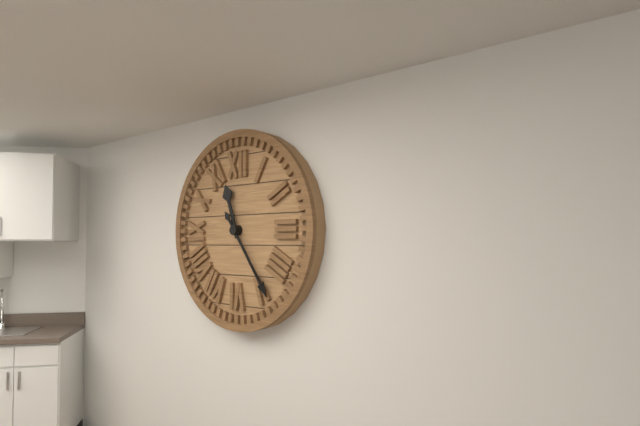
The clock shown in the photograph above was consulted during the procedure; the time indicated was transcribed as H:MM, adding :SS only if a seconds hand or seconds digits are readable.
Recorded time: 11:24
